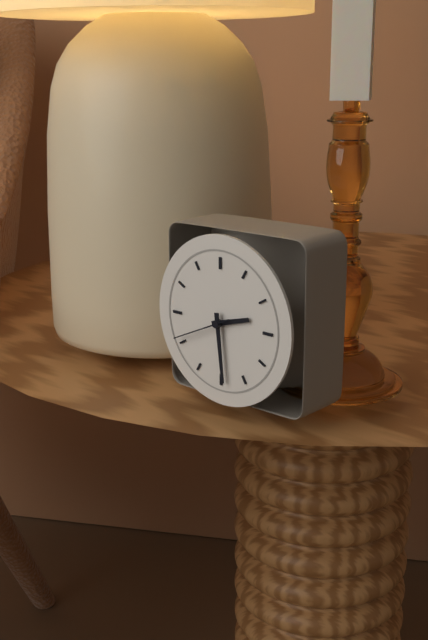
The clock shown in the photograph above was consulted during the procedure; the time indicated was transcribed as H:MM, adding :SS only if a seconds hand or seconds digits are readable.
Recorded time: 2:29:41
